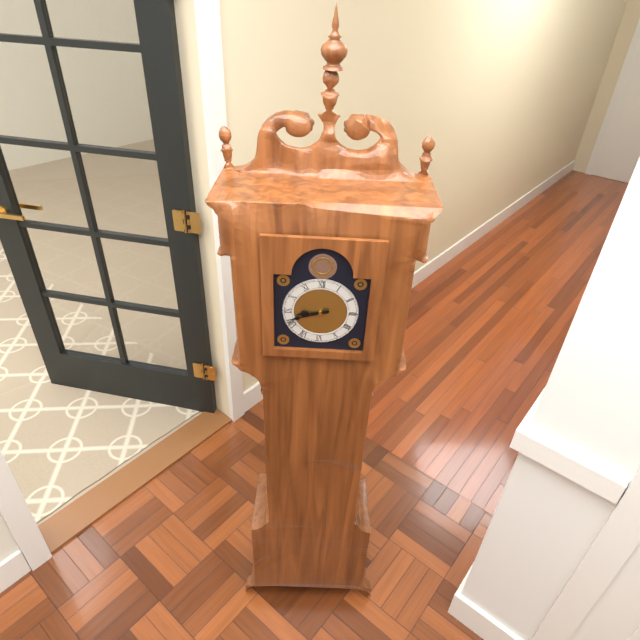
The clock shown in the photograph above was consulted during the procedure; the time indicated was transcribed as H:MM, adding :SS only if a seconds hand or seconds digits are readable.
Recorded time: 8:42
